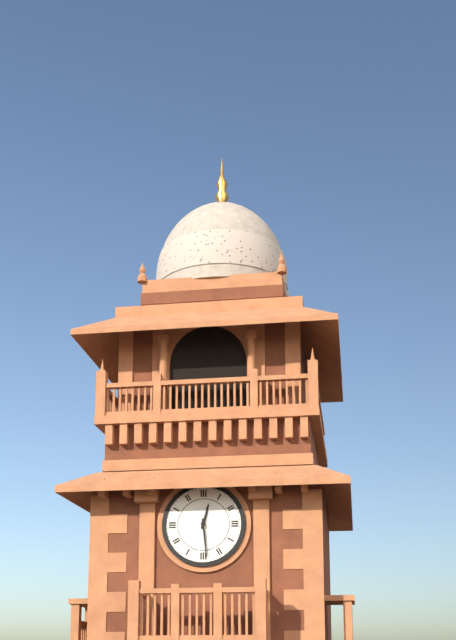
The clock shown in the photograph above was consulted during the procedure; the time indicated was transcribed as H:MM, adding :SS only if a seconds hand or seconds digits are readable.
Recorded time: 12:29
